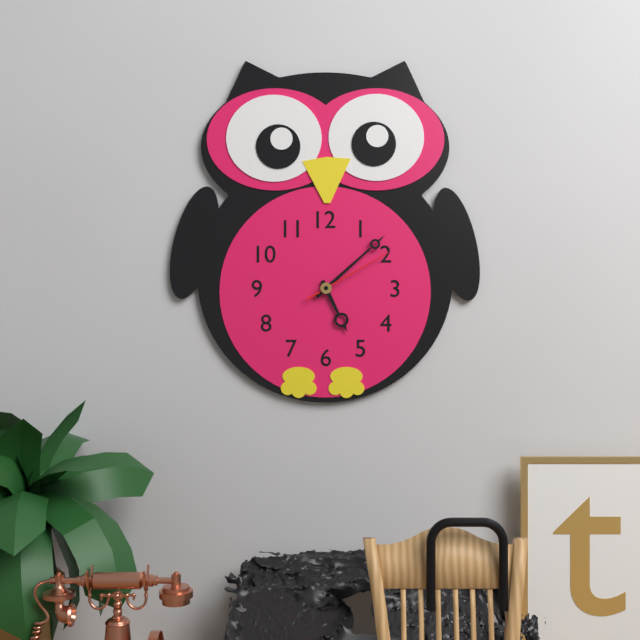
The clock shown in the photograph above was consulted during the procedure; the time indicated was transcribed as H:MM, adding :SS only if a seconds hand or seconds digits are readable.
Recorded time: 5:08:10
